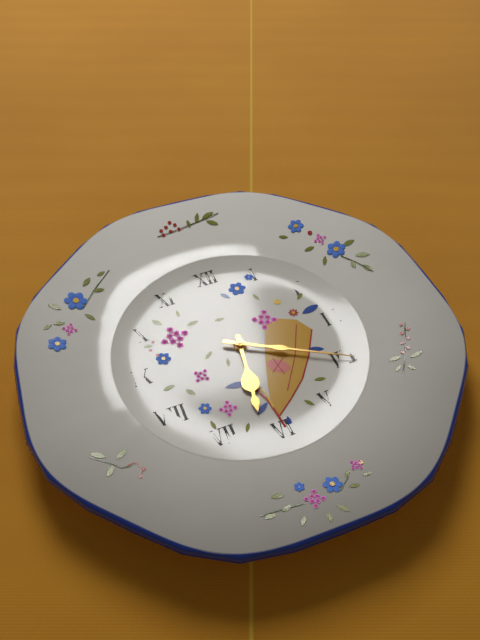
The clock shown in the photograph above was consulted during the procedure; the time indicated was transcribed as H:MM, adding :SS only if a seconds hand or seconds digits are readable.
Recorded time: 6:20
